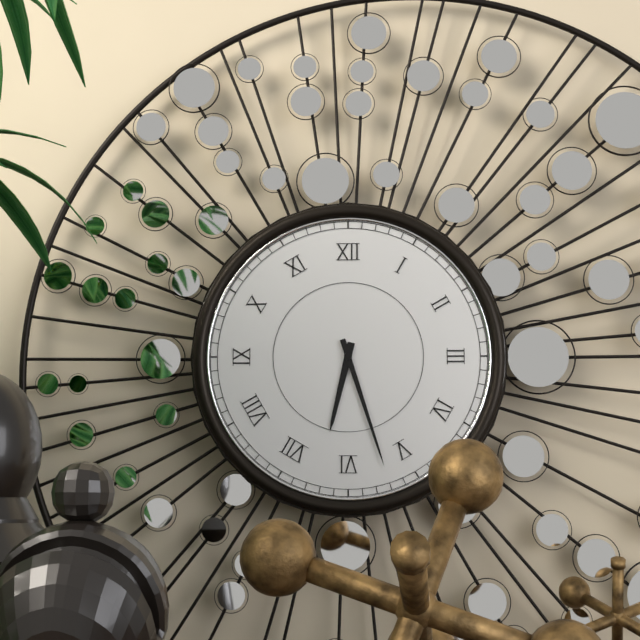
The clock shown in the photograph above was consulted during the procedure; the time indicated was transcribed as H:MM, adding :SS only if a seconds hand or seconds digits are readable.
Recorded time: 6:27
